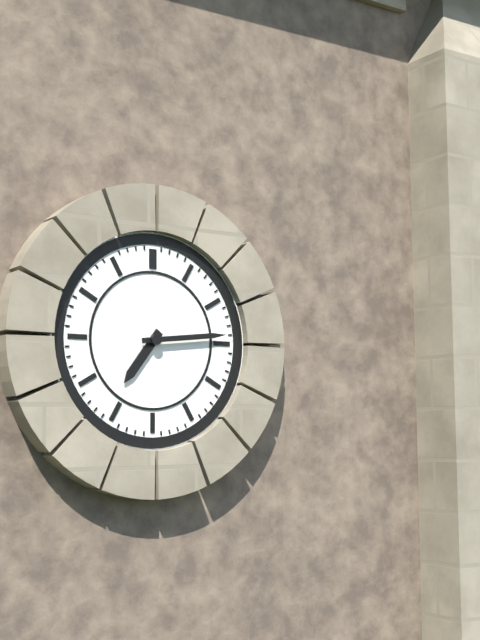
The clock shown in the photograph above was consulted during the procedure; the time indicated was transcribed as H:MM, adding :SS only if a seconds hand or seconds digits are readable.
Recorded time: 7:14
